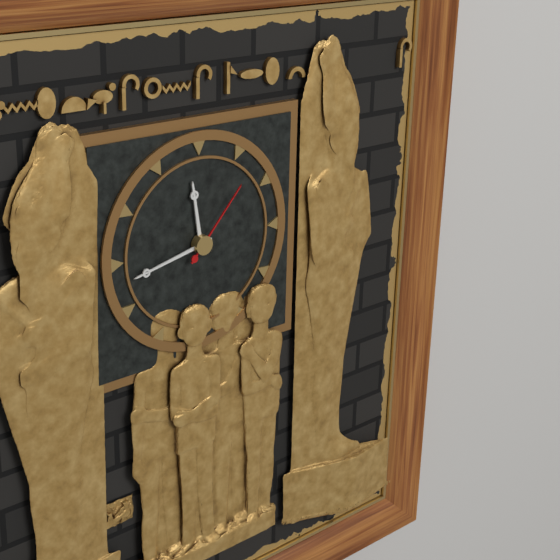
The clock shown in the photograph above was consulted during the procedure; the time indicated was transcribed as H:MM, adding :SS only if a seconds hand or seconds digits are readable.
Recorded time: 11:43:07
